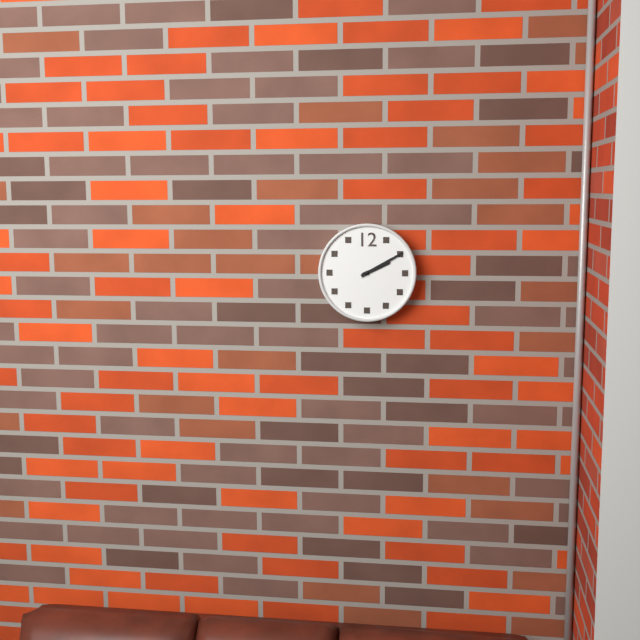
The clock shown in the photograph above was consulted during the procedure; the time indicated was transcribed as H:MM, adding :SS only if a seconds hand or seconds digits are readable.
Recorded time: 2:10
